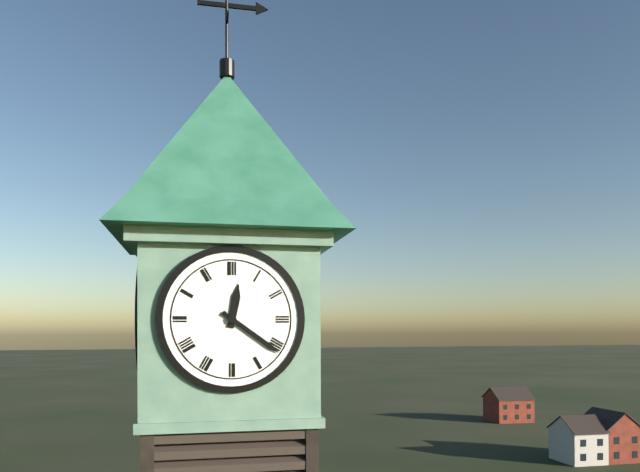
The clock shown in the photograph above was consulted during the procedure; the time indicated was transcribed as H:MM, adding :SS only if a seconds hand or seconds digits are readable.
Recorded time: 12:21
